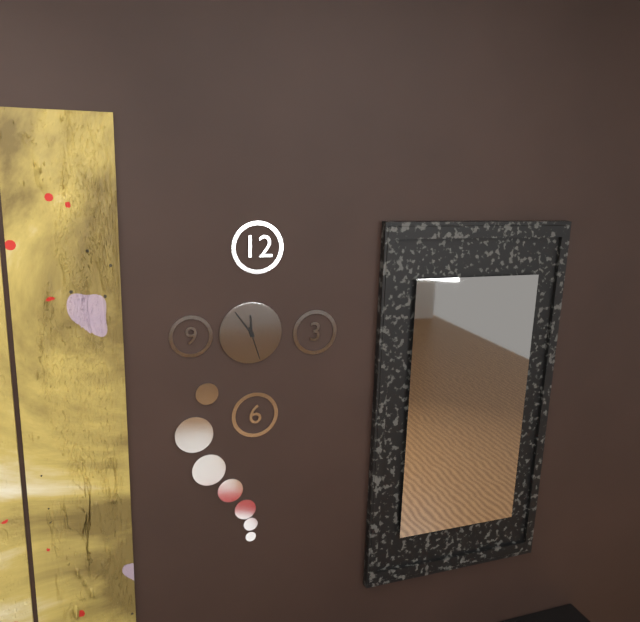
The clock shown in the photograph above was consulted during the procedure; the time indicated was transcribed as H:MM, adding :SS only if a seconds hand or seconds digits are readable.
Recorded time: 11:54
